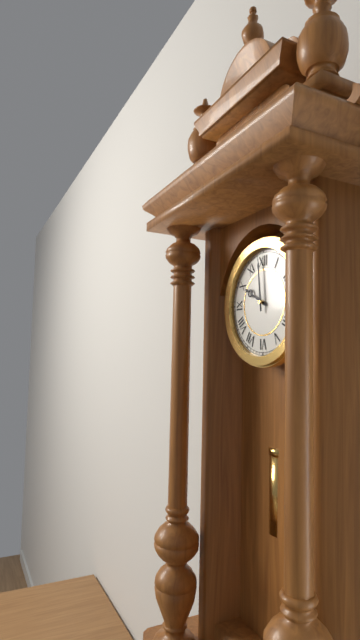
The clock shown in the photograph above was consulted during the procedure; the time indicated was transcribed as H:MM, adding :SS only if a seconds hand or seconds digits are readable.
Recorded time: 9:59
